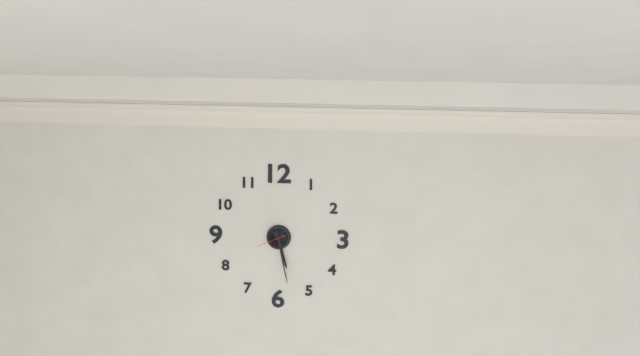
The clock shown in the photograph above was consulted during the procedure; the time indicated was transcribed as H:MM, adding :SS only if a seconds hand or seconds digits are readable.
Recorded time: 5:28
